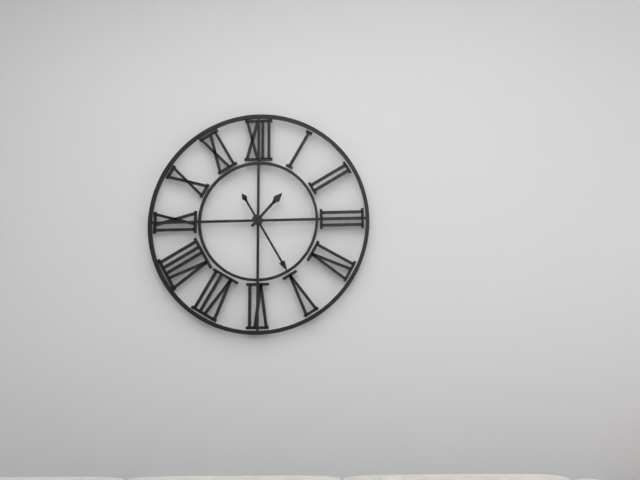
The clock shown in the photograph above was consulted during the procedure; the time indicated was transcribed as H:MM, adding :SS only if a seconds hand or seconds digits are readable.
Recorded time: 1:25
